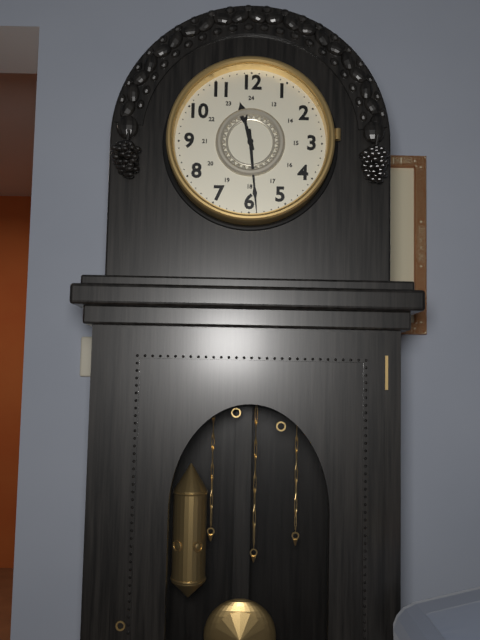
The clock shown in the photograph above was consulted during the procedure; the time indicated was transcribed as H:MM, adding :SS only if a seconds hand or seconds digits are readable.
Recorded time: 11:29
